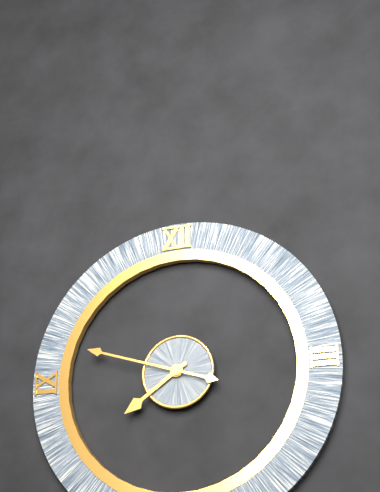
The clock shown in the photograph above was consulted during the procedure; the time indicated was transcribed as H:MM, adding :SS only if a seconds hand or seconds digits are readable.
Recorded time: 7:48
